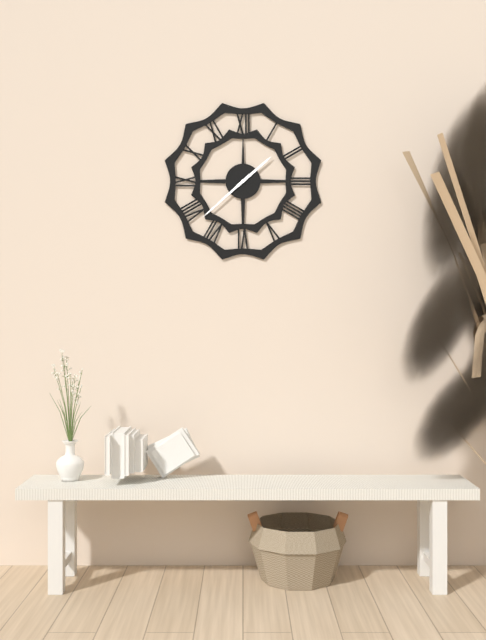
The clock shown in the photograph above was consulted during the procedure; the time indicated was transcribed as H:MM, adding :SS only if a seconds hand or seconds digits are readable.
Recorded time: 1:38
